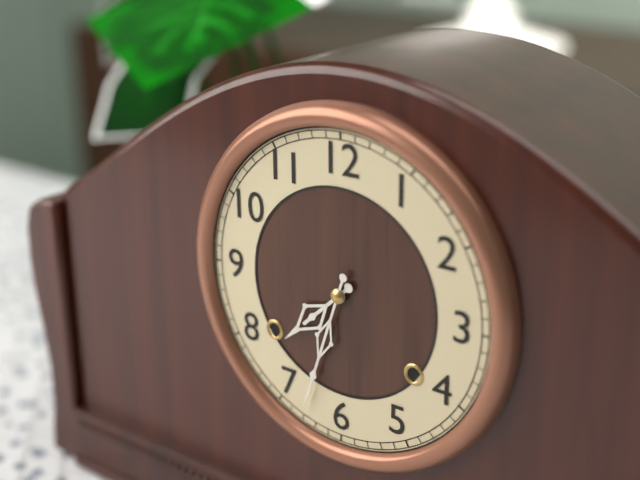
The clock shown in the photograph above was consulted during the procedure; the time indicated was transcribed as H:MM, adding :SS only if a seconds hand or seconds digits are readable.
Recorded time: 7:33
